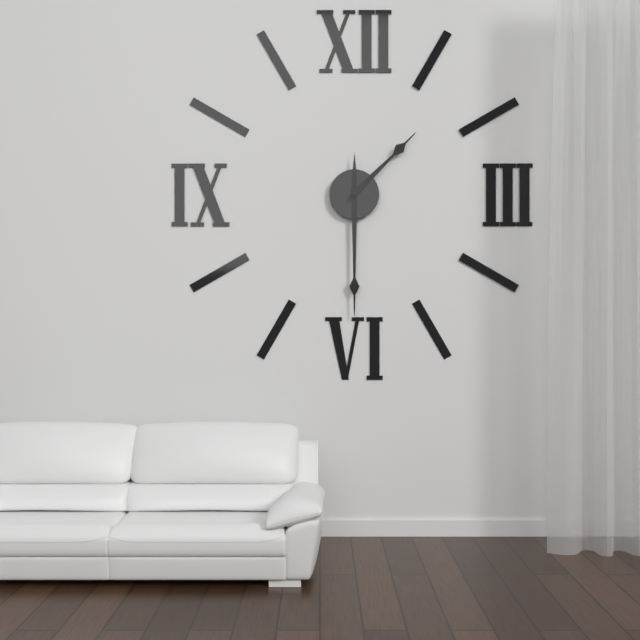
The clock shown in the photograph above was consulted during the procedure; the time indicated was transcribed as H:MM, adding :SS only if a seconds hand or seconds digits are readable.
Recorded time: 1:30
